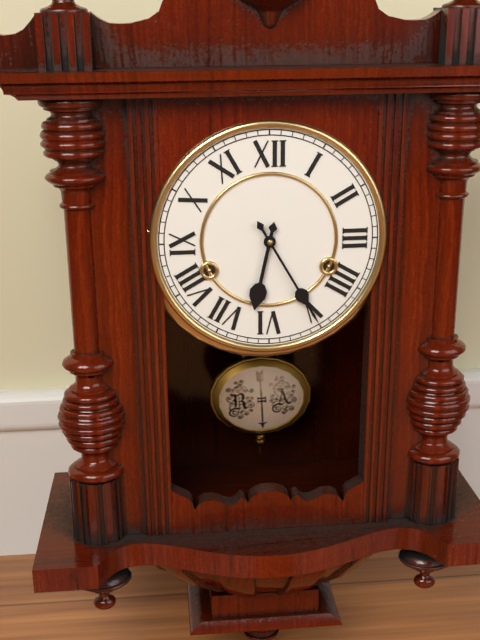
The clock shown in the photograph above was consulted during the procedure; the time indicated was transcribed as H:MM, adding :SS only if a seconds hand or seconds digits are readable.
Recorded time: 6:25
